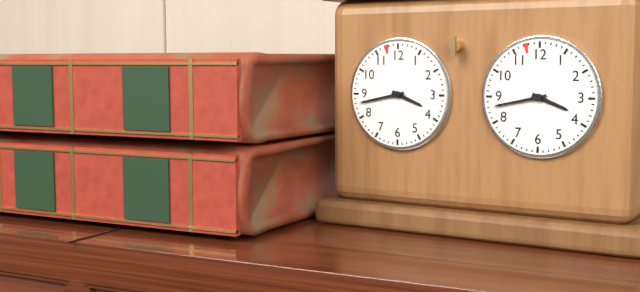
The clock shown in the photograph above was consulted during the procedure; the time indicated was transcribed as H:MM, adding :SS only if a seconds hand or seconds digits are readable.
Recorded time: 3:43
